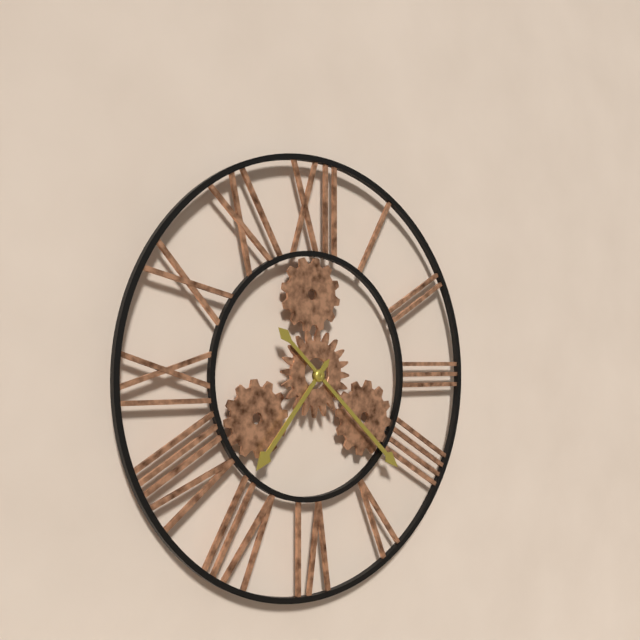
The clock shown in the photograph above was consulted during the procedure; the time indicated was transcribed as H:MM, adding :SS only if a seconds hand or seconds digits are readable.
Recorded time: 7:22
